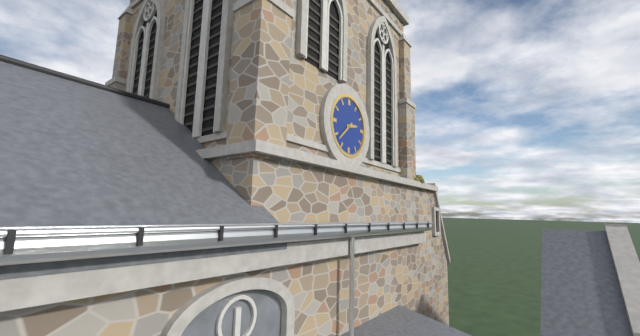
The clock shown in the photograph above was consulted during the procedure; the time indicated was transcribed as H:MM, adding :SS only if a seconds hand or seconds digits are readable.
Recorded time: 2:38
